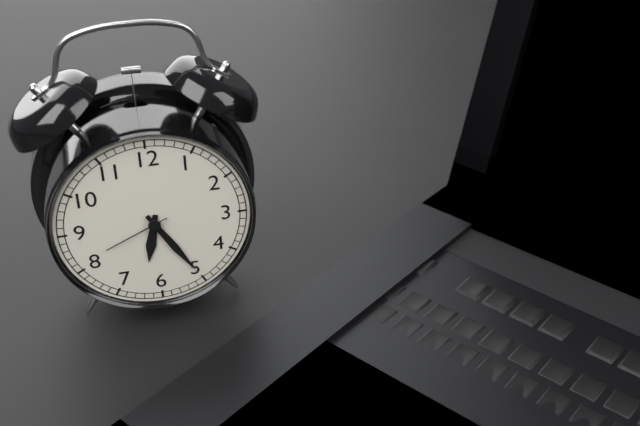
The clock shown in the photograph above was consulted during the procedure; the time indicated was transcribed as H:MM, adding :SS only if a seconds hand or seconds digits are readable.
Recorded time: 6:25:41
